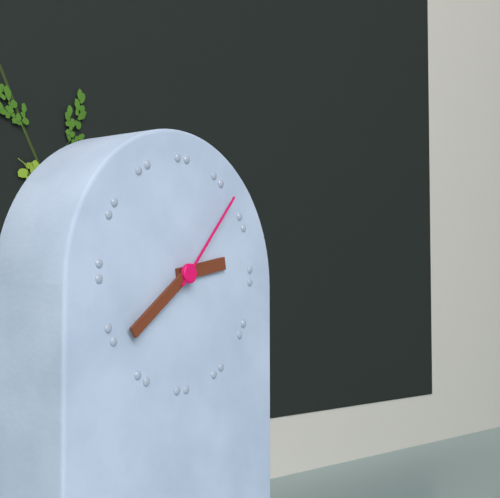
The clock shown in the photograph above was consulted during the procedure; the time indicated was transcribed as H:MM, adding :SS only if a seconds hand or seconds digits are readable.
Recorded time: 2:39:07
